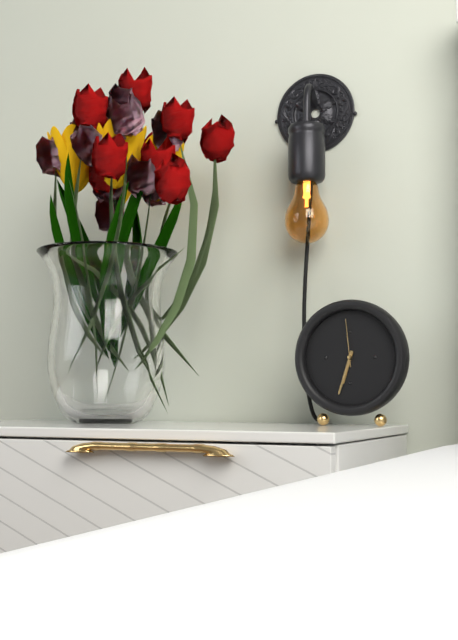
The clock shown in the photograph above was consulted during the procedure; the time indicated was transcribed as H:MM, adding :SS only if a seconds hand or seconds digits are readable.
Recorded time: 6:33
